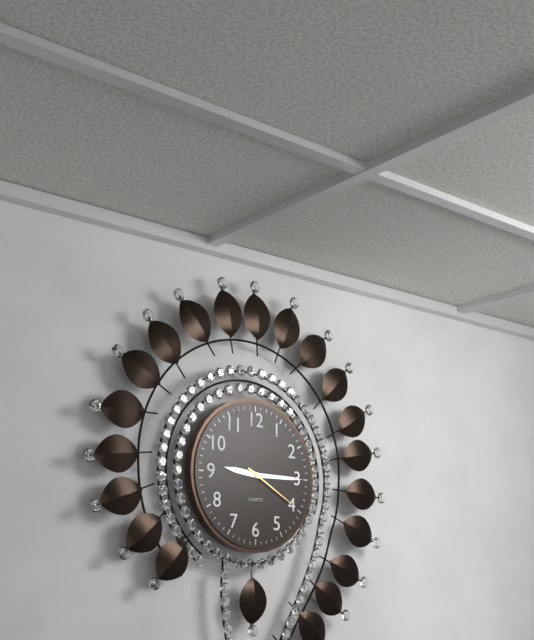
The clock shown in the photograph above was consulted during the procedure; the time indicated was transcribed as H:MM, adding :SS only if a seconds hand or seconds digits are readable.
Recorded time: 9:15:20
